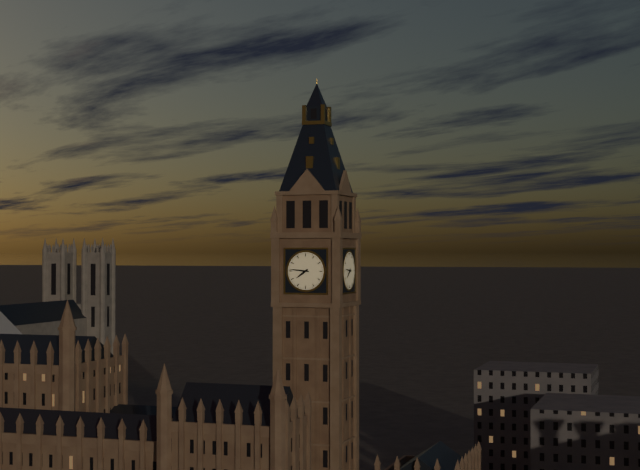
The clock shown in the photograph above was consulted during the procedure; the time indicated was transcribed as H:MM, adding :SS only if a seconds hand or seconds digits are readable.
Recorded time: 7:46
